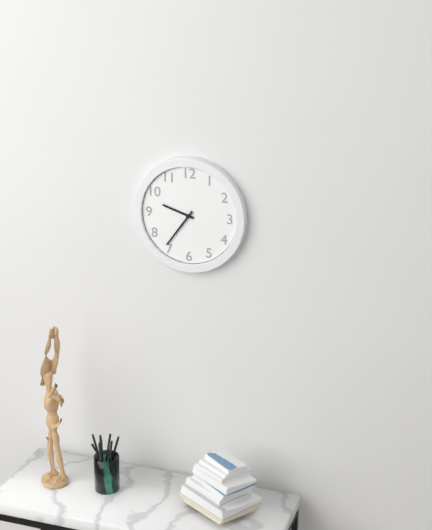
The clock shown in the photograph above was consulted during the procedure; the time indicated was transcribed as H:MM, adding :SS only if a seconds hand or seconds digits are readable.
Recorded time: 9:36
